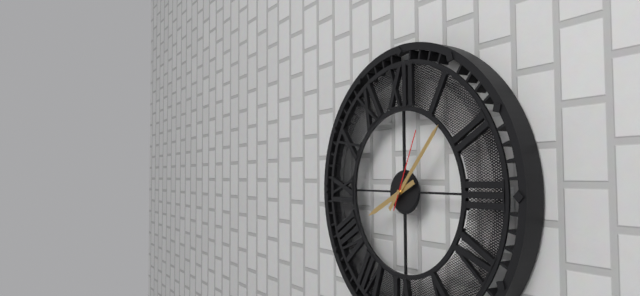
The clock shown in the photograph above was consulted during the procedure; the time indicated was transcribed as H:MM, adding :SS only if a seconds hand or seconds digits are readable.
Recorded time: 8:07:04
